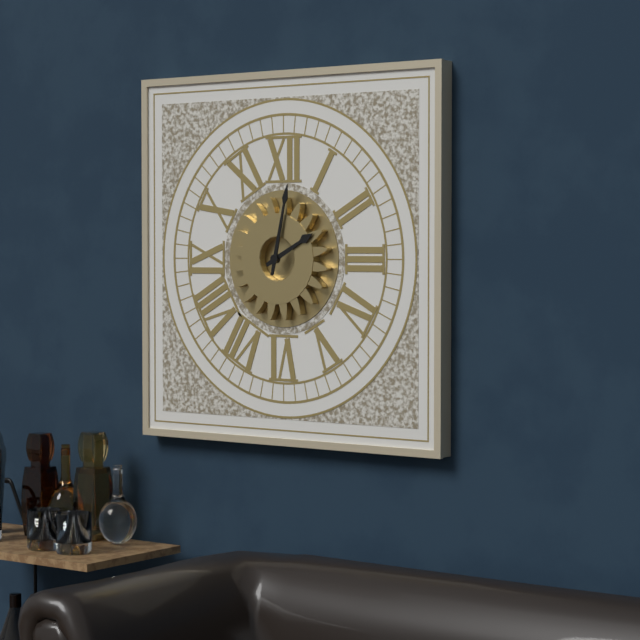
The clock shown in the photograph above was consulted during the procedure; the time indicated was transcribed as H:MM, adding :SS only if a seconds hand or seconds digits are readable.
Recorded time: 2:02
